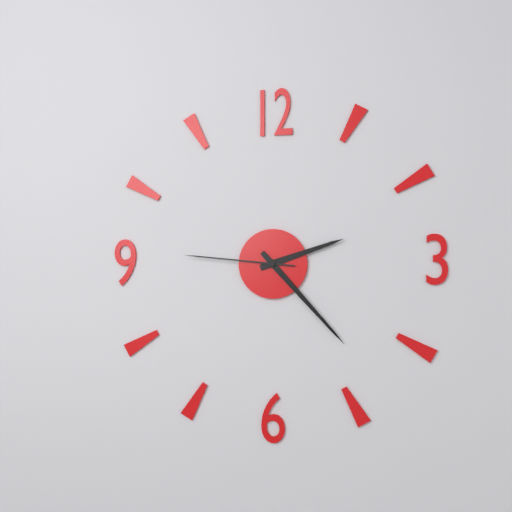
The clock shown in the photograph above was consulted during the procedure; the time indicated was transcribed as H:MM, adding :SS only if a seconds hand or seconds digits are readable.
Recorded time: 2:23:46
